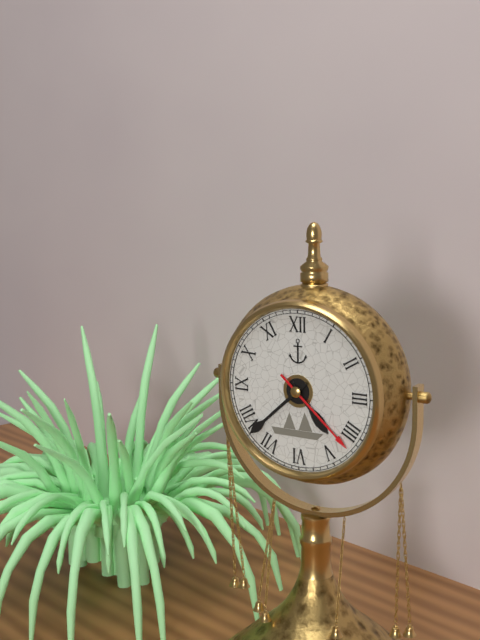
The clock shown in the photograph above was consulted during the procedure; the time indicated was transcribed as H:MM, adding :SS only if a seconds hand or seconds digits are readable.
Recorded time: 4:38:22
